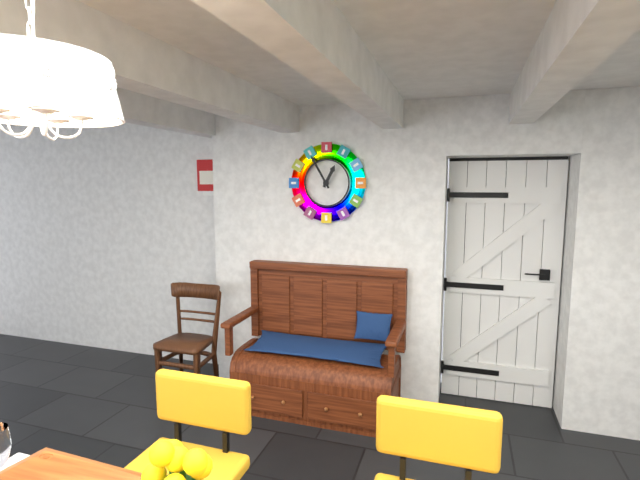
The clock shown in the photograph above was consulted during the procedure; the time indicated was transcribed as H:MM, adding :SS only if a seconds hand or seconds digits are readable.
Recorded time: 12:55
